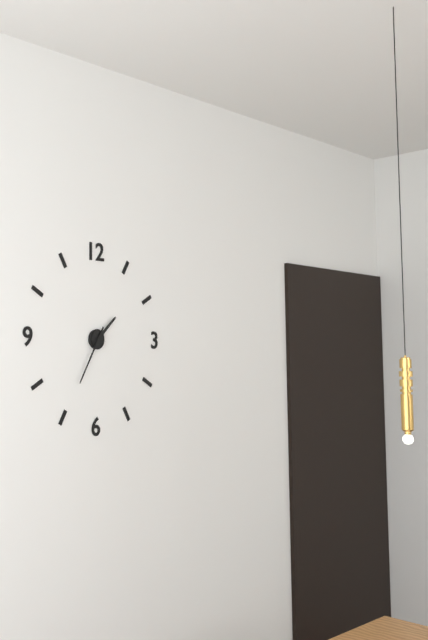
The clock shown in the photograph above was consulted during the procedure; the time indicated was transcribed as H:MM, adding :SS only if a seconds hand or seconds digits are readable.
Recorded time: 1:35
